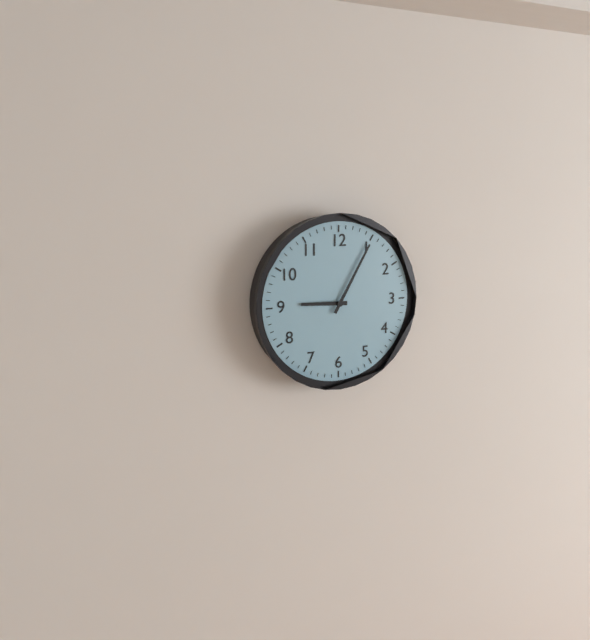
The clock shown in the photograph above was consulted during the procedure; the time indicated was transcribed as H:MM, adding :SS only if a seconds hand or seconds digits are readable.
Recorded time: 9:05
